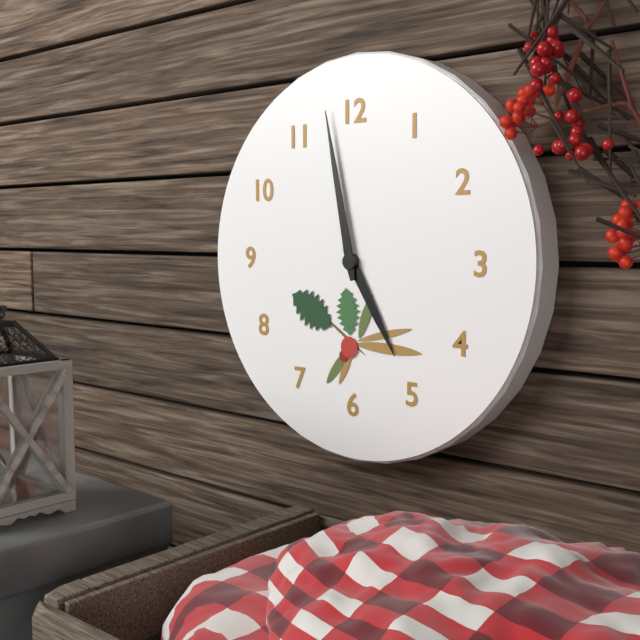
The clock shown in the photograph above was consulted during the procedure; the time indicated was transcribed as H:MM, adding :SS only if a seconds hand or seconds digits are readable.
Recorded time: 4:58
